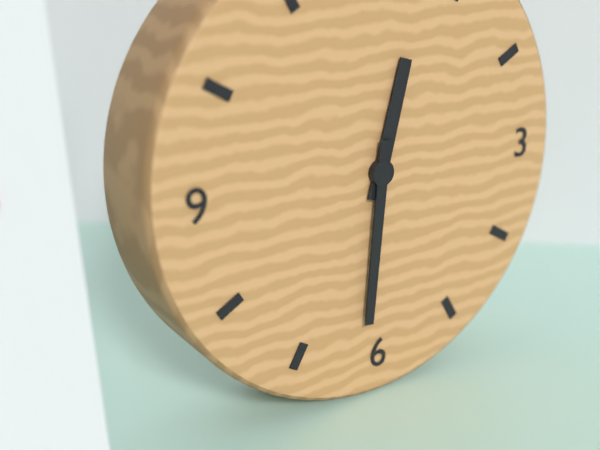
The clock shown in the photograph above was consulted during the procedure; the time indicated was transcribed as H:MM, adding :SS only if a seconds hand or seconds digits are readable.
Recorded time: 12:31
